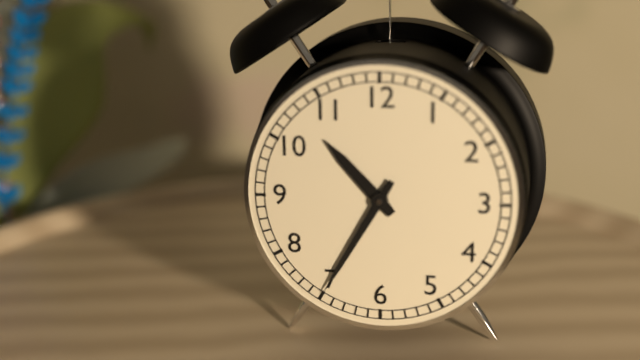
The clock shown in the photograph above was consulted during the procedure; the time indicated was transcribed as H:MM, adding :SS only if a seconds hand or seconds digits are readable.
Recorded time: 10:35
